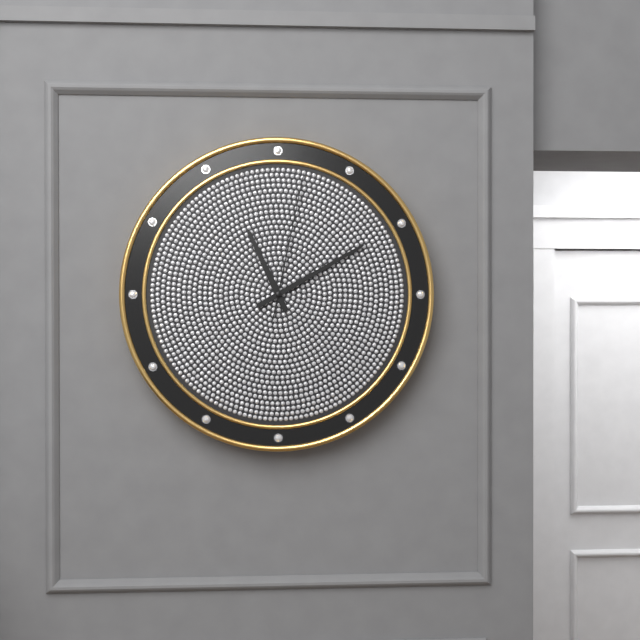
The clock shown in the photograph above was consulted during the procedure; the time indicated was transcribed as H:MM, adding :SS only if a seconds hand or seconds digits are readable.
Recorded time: 11:10:02
